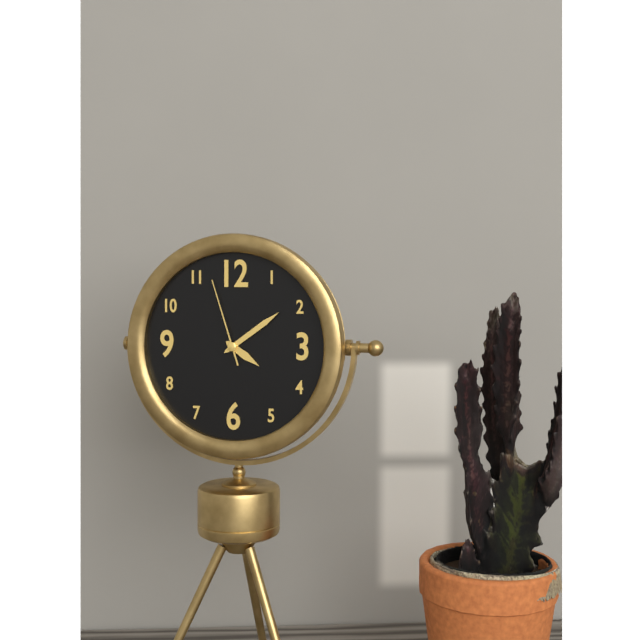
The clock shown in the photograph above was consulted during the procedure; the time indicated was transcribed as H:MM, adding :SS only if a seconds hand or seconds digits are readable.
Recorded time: 4:09:57
